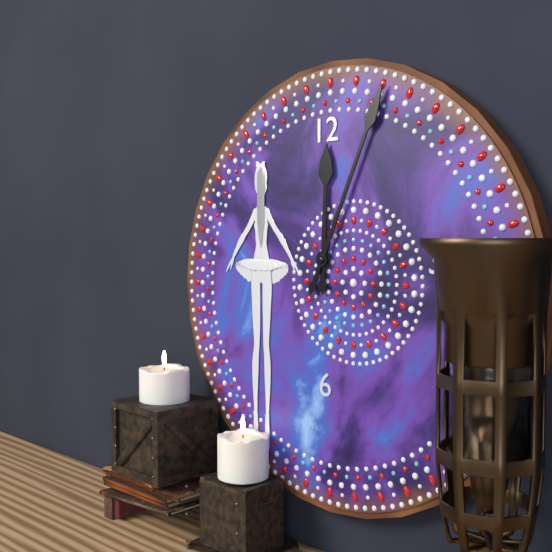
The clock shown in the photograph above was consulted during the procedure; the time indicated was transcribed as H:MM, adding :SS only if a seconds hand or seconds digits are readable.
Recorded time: 12:04
